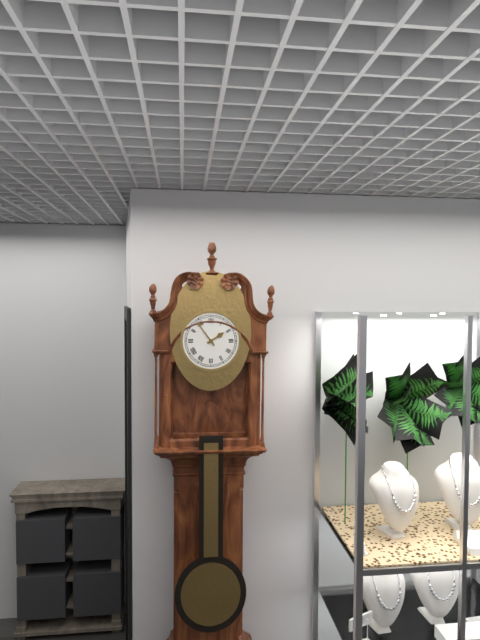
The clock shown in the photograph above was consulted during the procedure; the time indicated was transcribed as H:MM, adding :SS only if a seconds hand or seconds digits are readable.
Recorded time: 1:54
